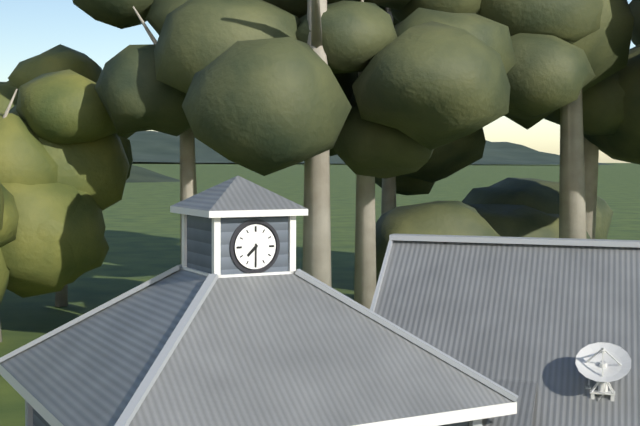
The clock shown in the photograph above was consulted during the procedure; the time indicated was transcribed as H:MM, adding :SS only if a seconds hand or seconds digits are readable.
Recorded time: 7:30
